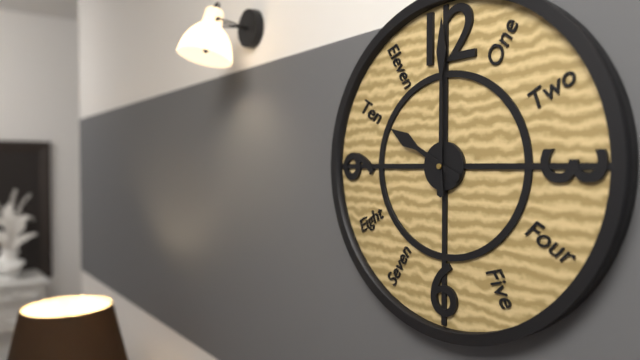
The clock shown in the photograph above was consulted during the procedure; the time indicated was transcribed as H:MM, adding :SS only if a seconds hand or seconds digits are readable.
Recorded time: 10:00
